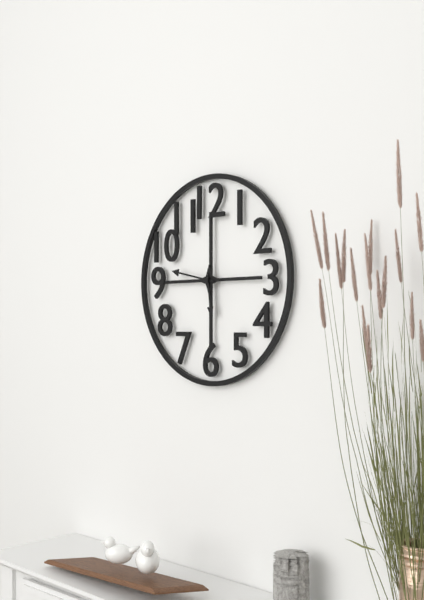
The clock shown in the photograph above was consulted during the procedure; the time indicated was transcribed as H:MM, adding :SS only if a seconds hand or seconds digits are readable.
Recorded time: 5:47
